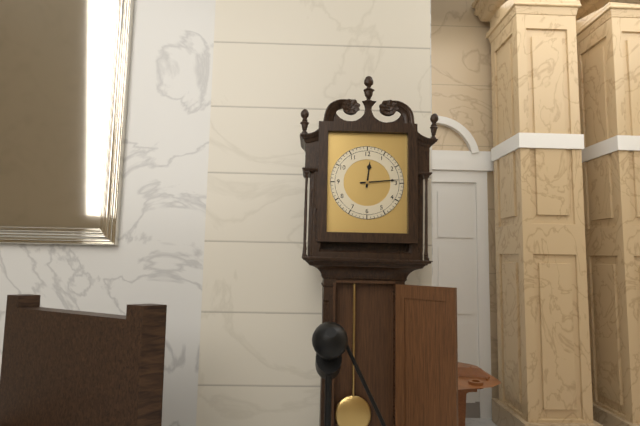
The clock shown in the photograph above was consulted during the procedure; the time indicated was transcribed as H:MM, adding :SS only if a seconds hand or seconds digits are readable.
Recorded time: 12:14
